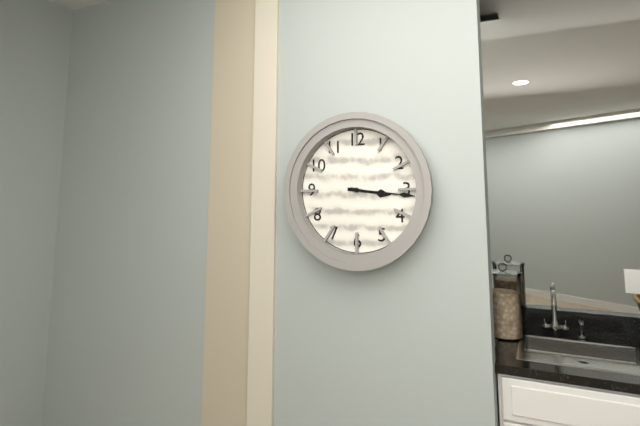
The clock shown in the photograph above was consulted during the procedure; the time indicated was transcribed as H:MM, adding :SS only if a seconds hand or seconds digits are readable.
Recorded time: 3:16
